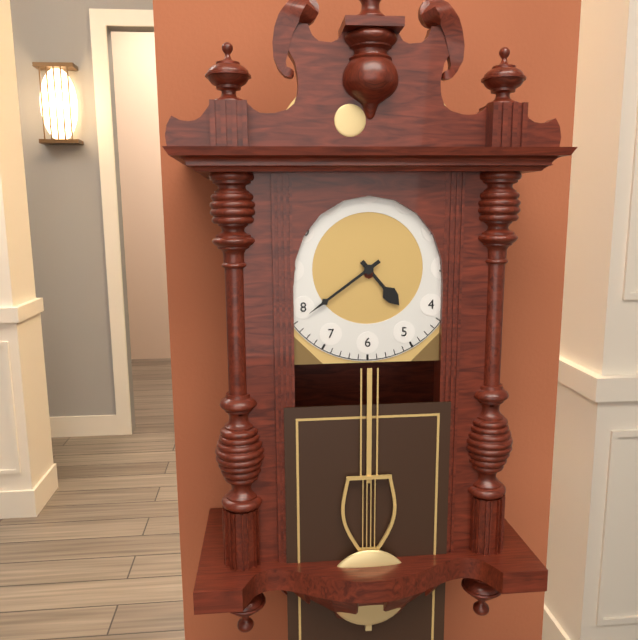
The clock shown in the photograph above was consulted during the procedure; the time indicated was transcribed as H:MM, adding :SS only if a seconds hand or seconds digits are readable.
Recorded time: 4:39
